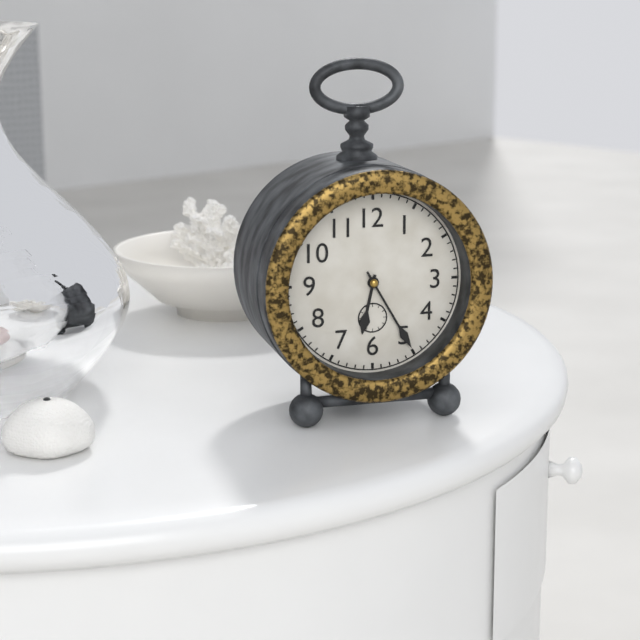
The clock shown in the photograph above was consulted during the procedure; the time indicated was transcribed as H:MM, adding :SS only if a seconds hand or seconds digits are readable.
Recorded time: 6:25
